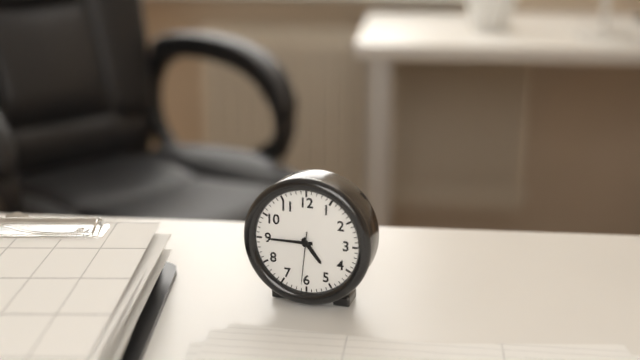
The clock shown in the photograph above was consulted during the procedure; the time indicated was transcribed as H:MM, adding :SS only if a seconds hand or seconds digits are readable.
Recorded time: 4:45:31
